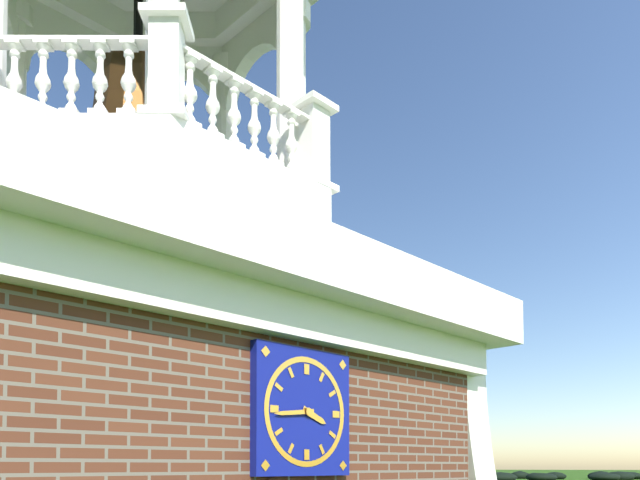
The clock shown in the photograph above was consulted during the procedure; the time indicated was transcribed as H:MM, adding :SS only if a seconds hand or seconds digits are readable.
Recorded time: 3:44
